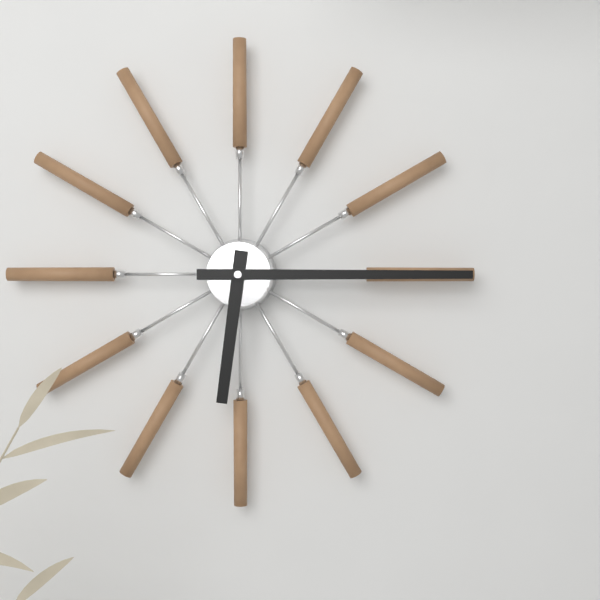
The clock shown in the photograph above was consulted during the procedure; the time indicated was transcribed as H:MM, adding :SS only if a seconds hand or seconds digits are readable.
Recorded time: 6:15
